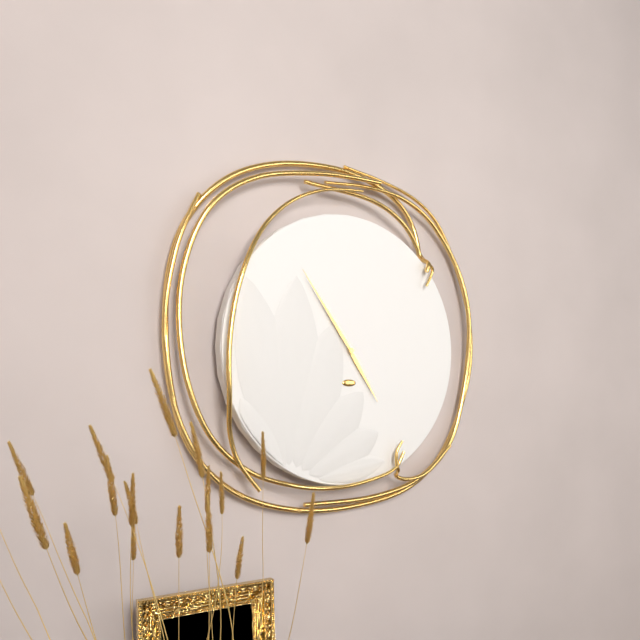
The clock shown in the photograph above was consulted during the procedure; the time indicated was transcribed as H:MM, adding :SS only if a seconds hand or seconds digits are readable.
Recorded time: 4:54
